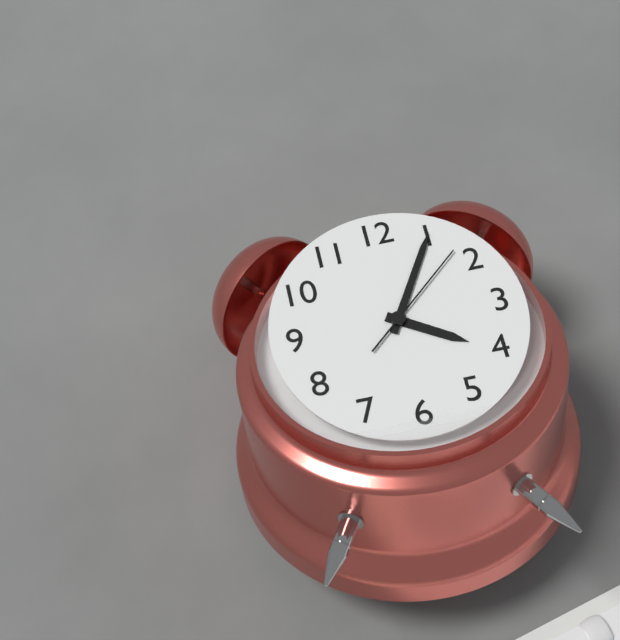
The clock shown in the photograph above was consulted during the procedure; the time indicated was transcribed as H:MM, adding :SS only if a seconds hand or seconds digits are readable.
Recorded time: 4:05:08
